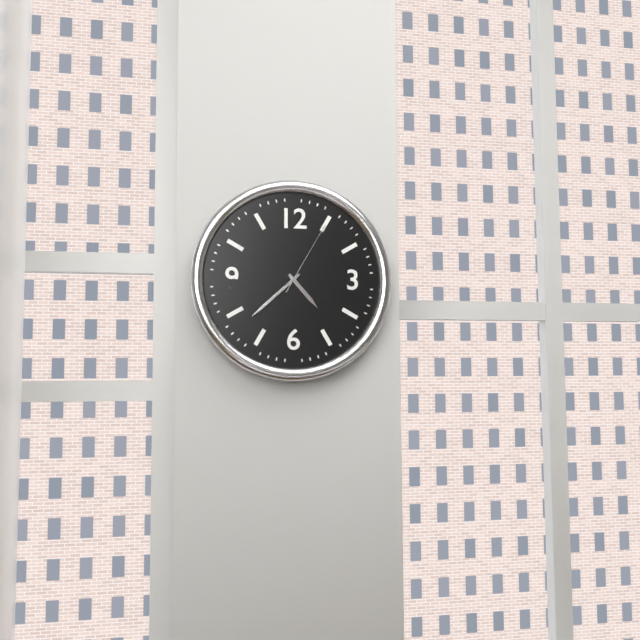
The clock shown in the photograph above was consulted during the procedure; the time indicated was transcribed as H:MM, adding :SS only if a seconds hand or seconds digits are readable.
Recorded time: 4:38:05
